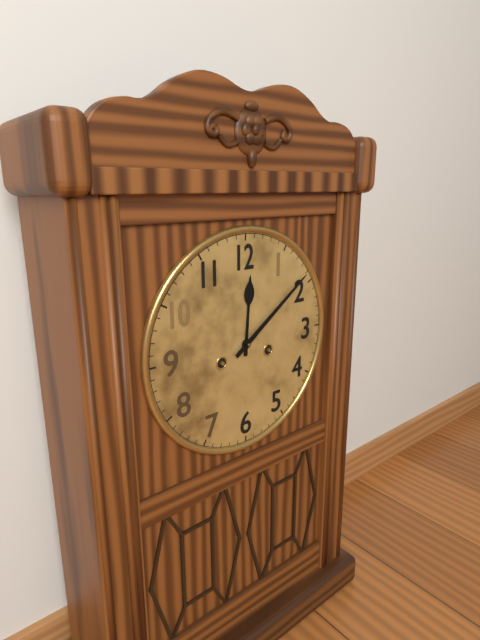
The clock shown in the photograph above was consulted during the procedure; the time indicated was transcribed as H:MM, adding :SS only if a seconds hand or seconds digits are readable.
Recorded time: 12:09
